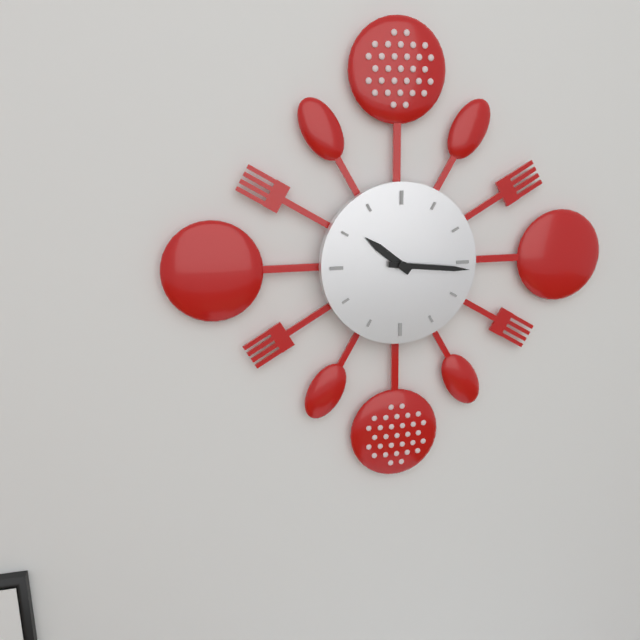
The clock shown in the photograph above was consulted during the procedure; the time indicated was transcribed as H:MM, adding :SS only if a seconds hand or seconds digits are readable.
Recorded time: 10:16
